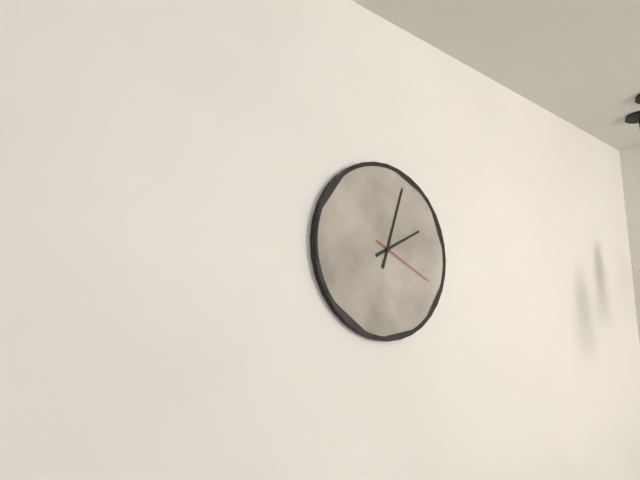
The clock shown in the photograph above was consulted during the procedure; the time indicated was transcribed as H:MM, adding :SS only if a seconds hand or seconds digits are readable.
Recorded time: 2:03:19
